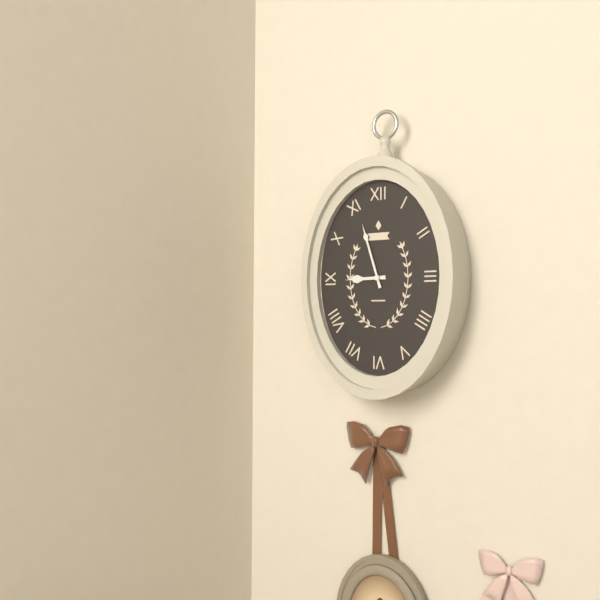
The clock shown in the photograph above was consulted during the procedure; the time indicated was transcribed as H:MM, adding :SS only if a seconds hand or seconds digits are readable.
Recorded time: 8:57
